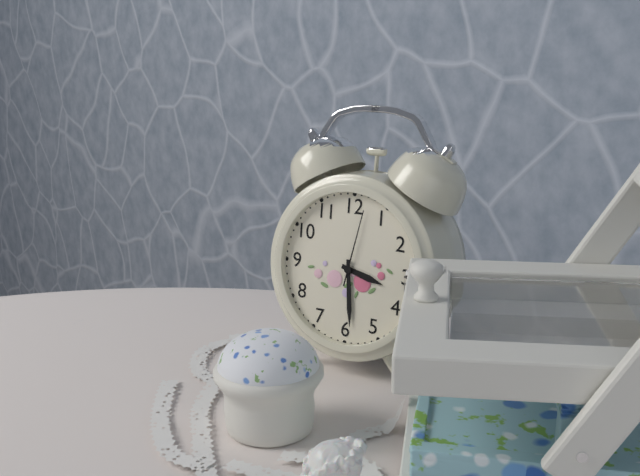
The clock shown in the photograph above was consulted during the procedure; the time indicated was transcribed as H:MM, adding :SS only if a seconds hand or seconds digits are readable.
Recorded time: 3:29:02
